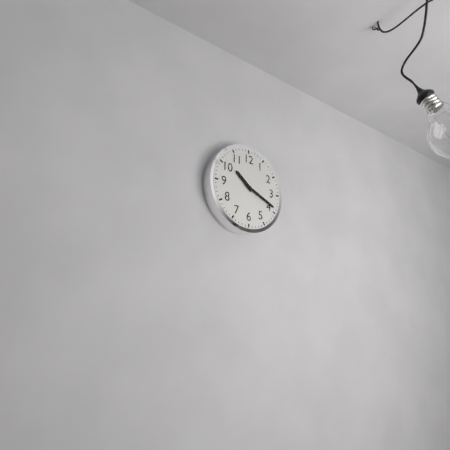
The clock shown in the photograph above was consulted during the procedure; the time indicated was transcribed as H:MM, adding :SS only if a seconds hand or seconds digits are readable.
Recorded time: 10:19
